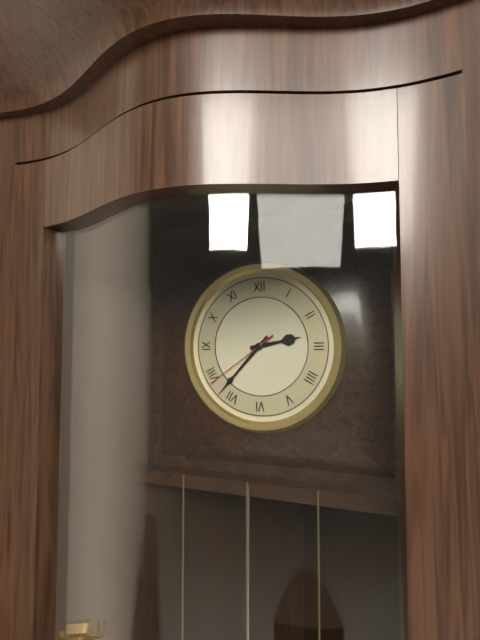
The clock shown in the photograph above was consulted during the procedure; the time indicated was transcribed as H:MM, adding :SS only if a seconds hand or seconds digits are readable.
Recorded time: 2:37:39
